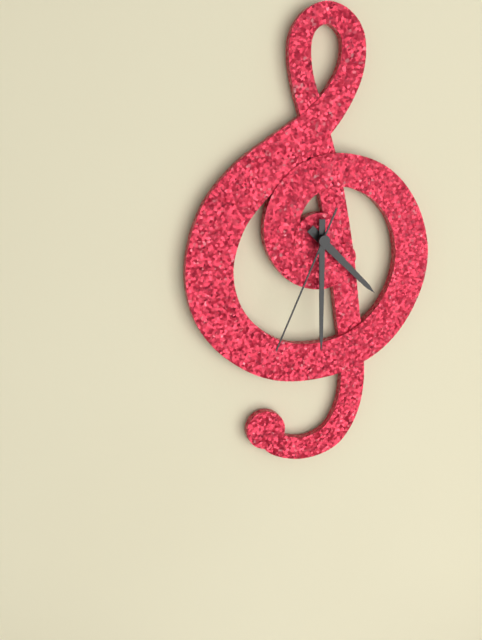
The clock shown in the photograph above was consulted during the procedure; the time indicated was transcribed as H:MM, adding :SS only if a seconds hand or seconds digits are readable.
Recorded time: 4:30:34
